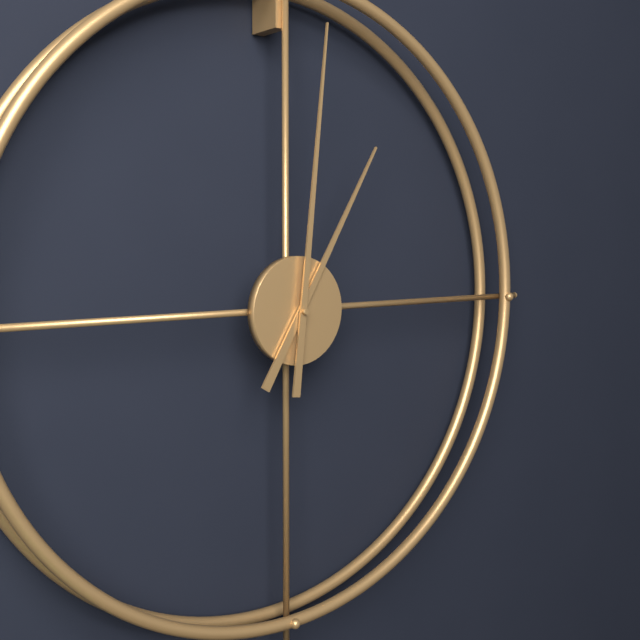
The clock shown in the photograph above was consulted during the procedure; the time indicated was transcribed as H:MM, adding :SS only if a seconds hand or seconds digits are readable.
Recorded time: 1:01
